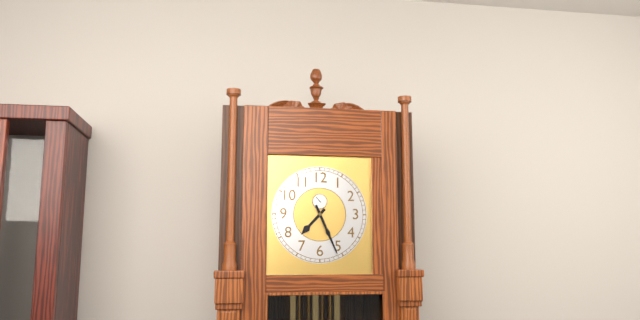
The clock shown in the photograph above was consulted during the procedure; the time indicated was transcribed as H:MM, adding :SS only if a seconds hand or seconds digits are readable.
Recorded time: 7:26
